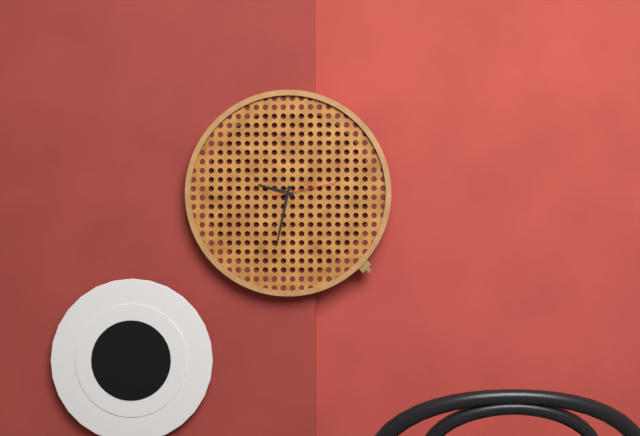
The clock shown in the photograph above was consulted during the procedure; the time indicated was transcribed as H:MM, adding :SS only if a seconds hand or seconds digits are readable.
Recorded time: 9:32:13
